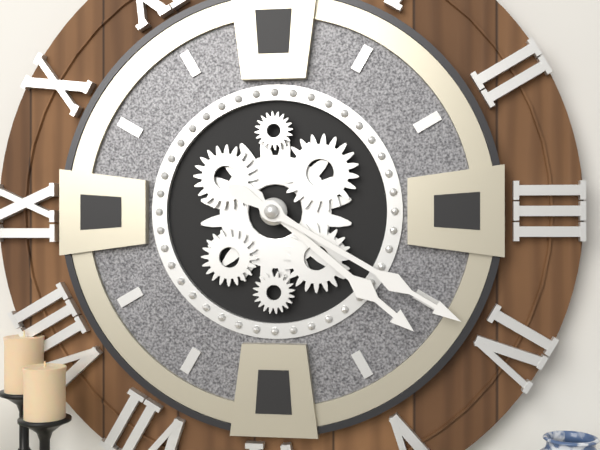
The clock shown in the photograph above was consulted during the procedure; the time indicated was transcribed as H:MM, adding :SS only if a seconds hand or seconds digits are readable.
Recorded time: 4:20
